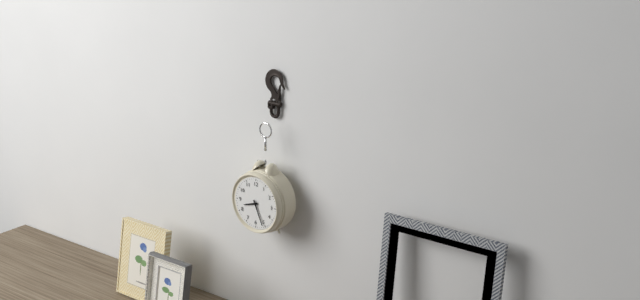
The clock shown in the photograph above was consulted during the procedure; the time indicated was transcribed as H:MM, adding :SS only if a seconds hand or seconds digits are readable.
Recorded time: 8:26
